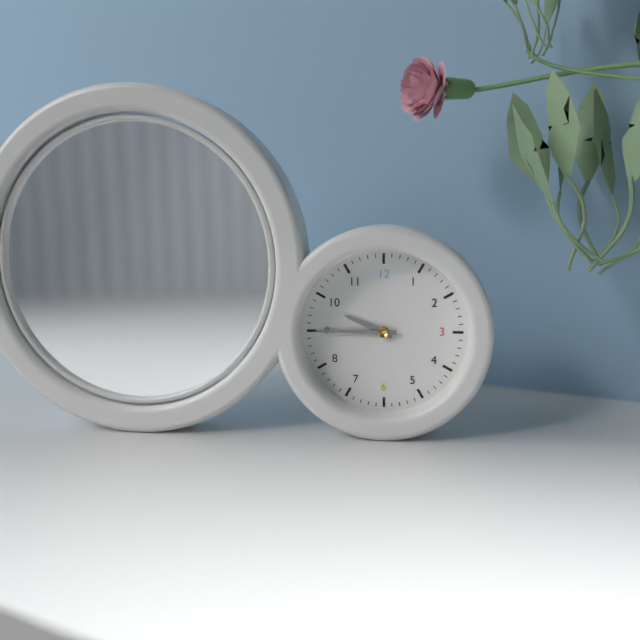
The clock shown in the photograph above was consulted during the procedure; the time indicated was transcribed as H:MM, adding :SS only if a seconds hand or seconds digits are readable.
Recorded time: 9:45
